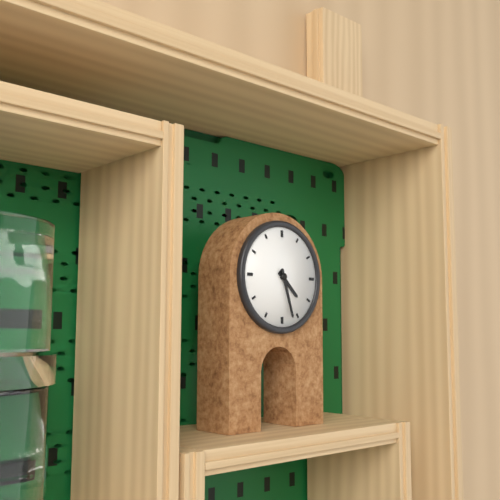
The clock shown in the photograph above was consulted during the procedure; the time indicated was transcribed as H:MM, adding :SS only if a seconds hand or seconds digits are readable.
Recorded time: 4:27
